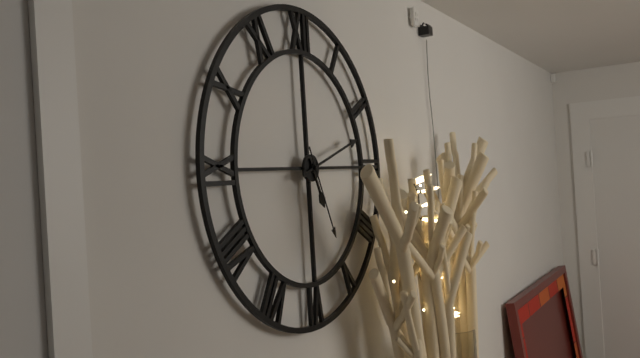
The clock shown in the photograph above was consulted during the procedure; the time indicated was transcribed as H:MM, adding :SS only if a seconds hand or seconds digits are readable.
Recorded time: 5:12:26
